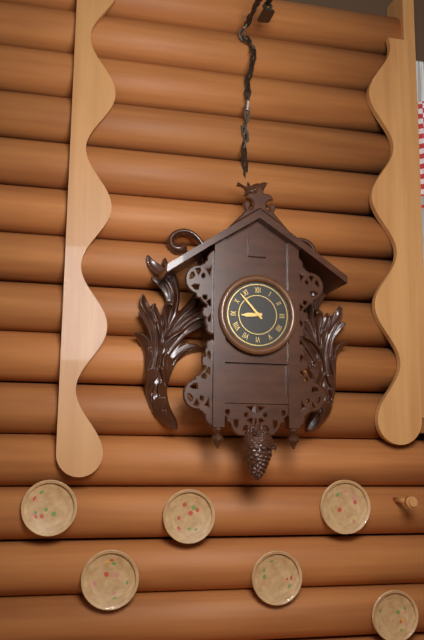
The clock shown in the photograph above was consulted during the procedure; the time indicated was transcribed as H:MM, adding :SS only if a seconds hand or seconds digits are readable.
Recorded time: 8:53
